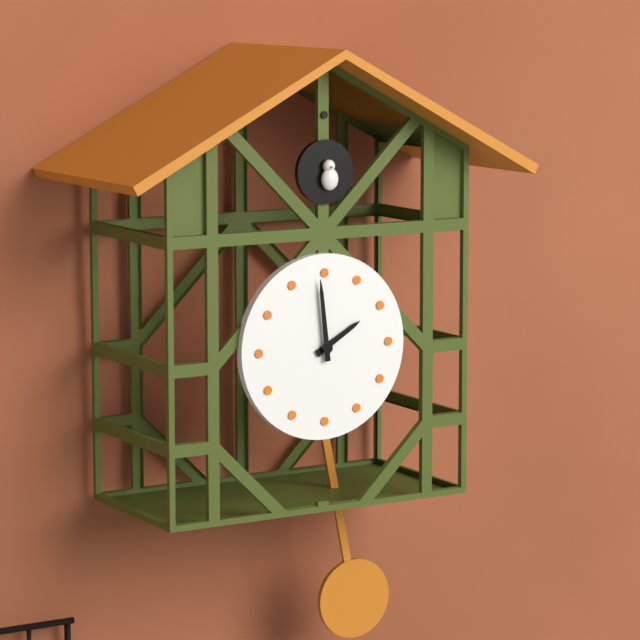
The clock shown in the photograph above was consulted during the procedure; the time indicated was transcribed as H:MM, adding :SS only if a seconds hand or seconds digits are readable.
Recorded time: 1:59
